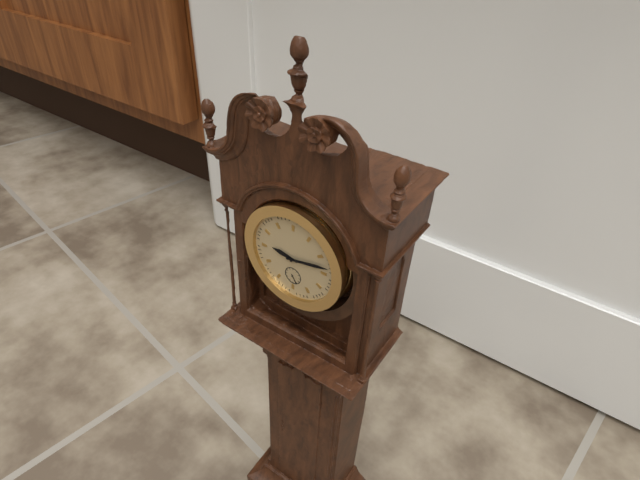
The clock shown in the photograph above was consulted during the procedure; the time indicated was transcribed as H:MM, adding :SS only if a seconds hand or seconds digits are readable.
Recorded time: 9:13
